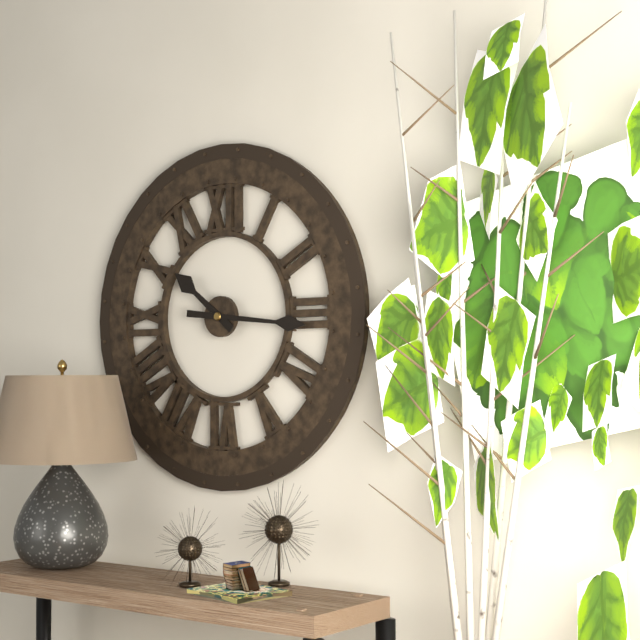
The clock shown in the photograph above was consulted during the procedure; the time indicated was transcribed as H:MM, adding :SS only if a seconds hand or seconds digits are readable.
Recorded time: 10:16
